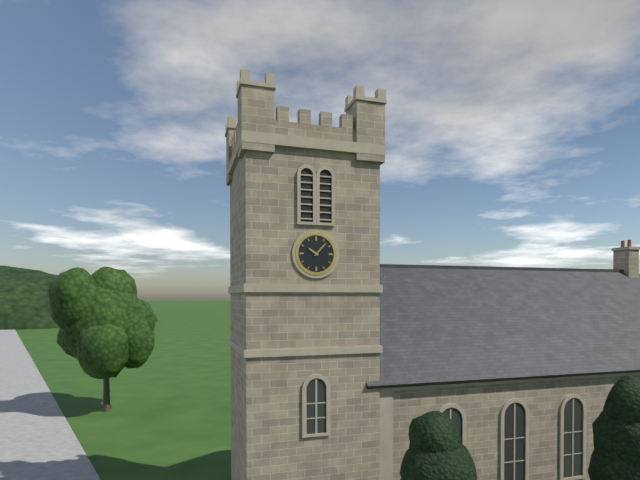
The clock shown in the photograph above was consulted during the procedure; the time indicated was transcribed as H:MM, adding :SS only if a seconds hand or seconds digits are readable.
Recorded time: 10:07
